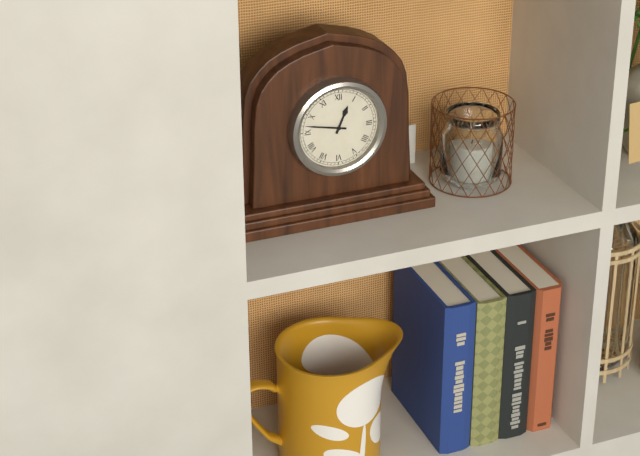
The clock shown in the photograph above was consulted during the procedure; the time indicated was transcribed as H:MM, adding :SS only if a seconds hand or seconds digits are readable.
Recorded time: 12:47
